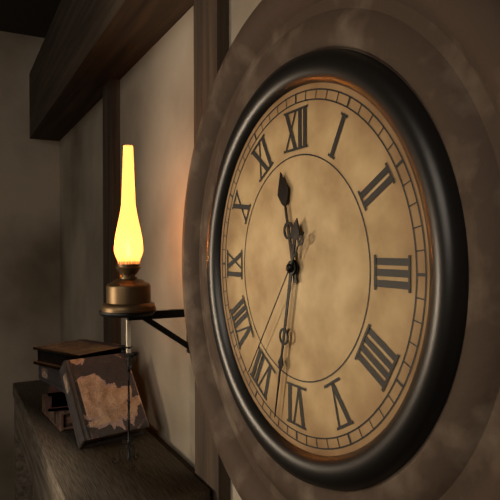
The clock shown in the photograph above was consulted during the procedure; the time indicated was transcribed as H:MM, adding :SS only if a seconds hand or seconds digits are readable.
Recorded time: 11:32:36
